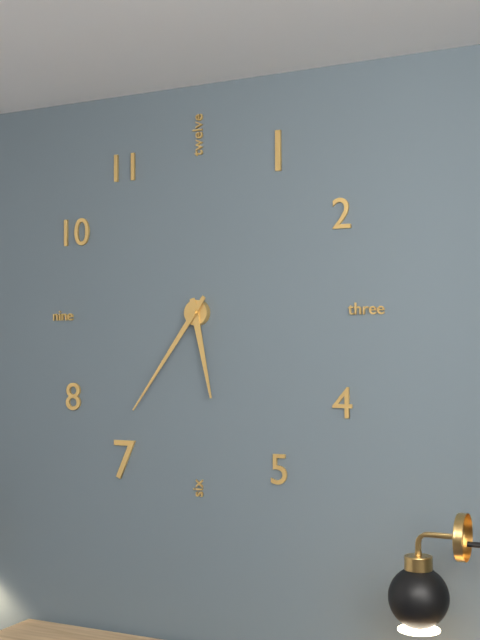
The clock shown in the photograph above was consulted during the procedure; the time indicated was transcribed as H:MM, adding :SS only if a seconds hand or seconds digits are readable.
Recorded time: 5:36
